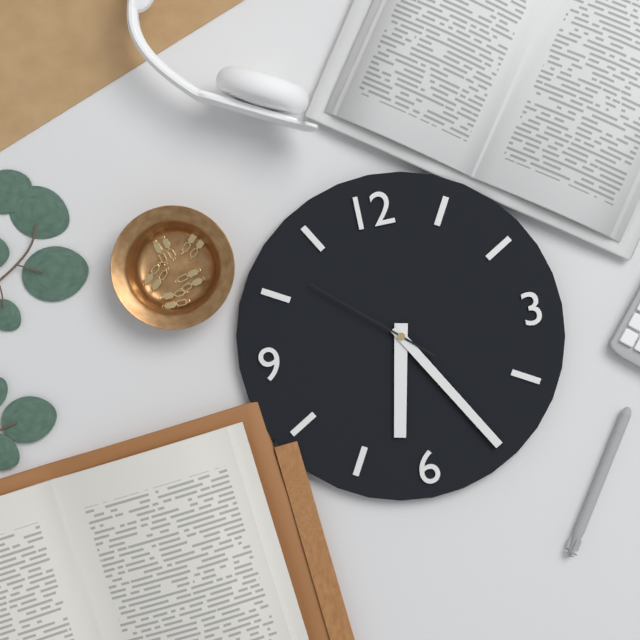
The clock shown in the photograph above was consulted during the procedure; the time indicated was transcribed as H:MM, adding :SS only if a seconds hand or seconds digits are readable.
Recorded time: 6:25:52
